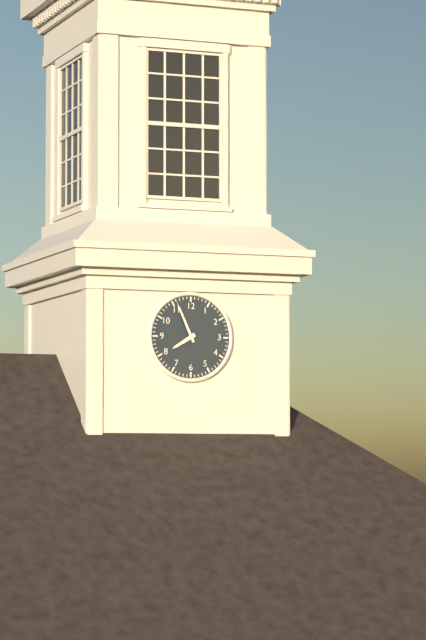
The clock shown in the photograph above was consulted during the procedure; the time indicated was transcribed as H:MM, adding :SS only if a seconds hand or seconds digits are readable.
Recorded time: 7:56
